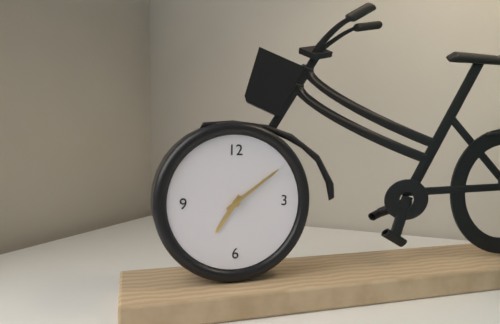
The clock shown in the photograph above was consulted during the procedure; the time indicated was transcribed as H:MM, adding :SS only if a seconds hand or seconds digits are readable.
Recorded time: 7:09
